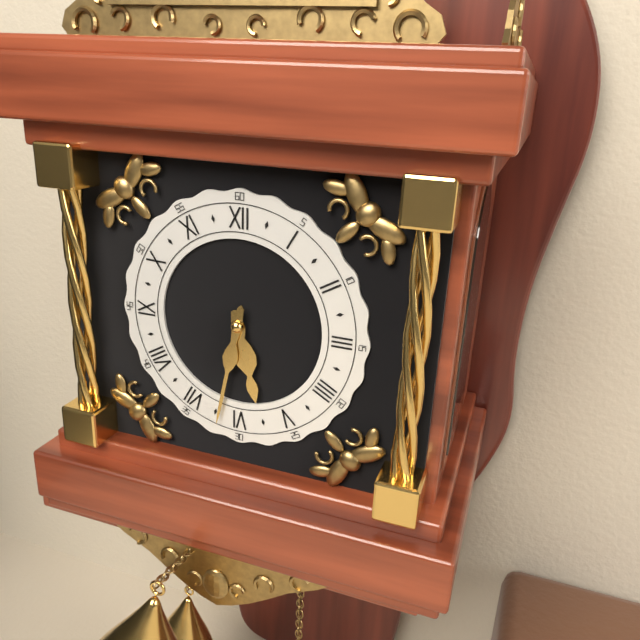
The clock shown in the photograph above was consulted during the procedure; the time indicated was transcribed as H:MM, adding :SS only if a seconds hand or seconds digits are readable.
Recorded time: 5:32
